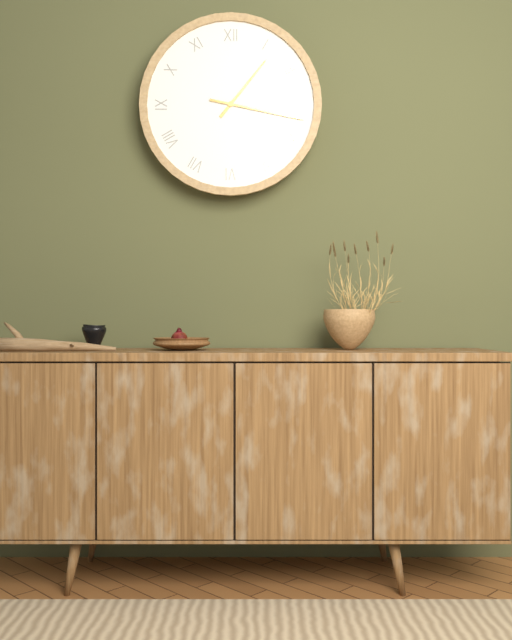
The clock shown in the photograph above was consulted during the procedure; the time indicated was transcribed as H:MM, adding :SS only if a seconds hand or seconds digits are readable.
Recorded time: 1:17
